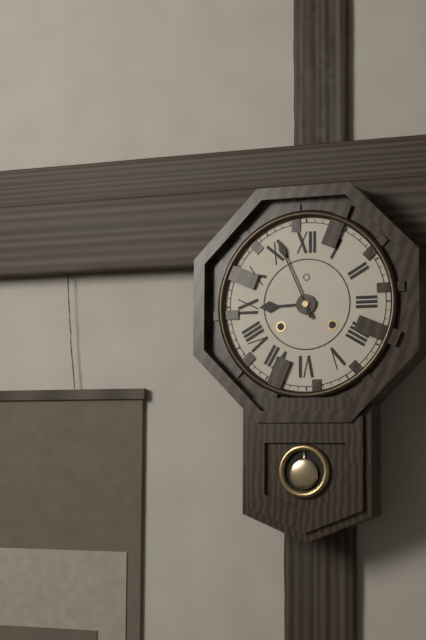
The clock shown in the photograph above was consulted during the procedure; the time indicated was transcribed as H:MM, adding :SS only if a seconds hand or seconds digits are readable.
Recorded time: 8:56
